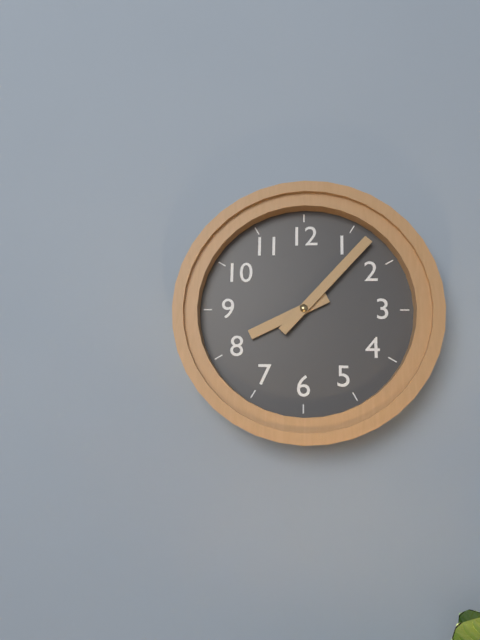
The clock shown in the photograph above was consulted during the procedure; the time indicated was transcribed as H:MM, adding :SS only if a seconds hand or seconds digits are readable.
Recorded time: 8:07
